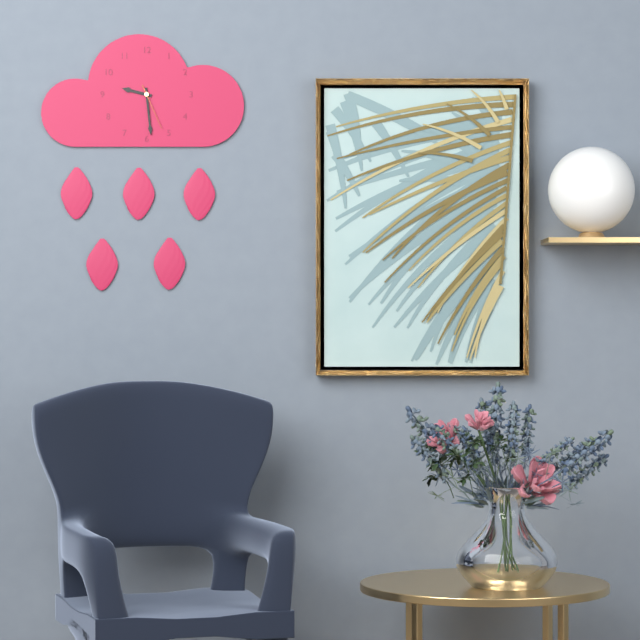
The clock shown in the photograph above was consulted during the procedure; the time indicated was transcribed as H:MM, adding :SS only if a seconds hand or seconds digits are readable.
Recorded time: 9:29
